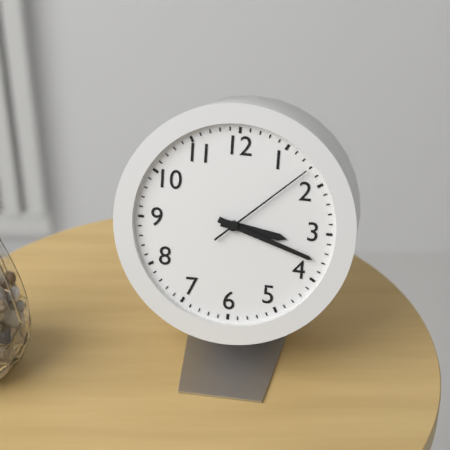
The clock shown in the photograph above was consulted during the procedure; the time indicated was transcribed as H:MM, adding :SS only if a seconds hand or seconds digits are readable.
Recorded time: 3:18:08
